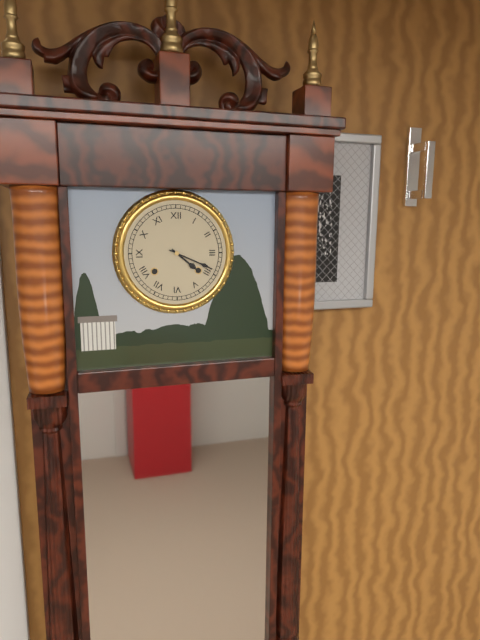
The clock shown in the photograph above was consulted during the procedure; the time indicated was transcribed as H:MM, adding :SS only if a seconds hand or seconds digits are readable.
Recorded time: 4:19
